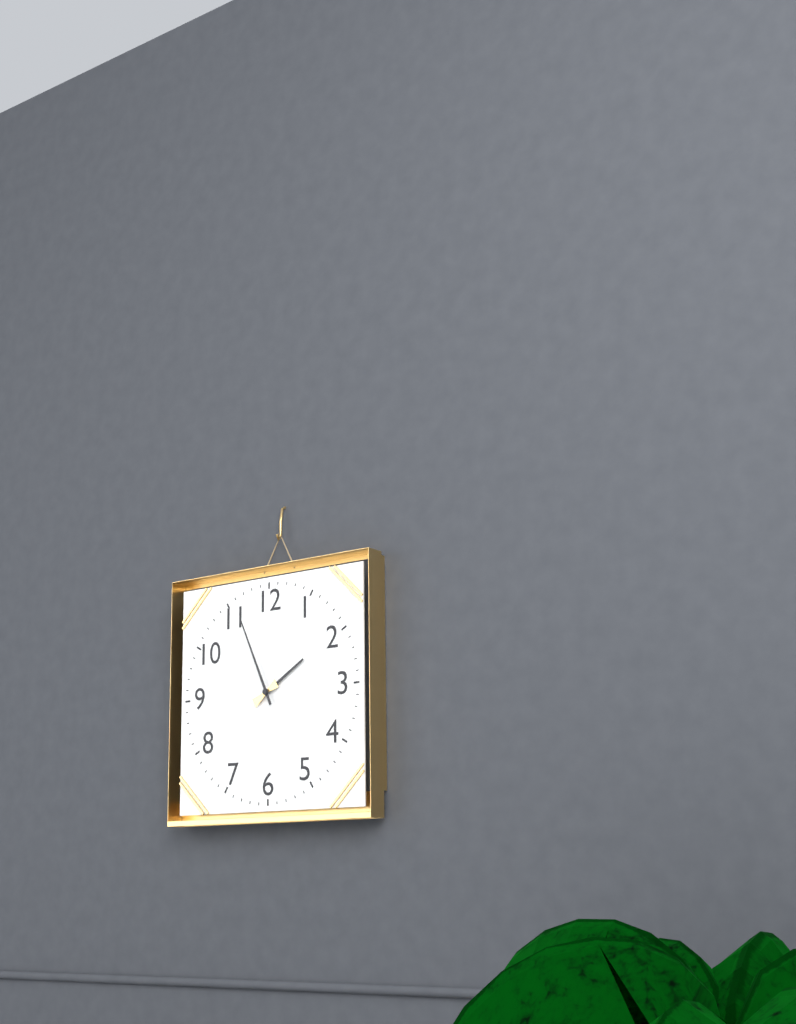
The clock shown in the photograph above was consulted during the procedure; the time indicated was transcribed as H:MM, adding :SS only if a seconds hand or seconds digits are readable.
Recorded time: 1:56
